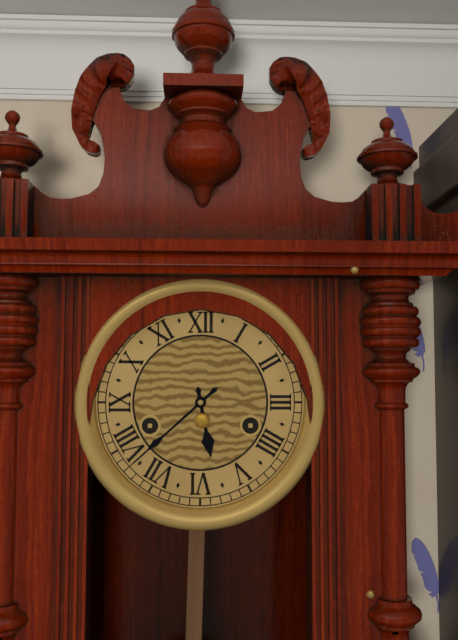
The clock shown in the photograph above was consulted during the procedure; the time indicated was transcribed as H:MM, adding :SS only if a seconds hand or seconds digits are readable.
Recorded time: 5:38
